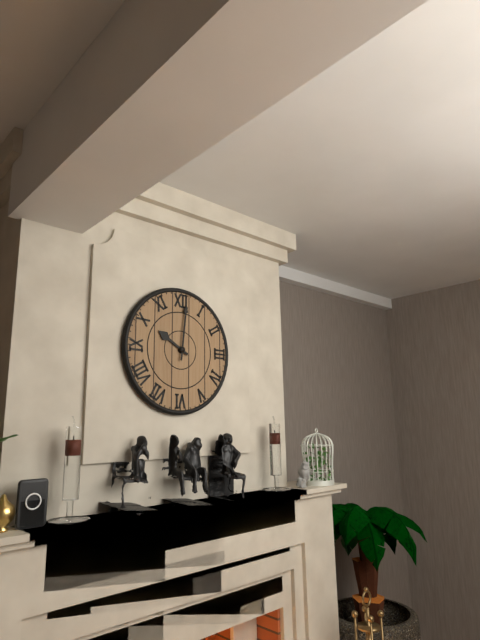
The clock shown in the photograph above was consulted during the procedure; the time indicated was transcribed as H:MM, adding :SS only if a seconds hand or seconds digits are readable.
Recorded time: 10:01
